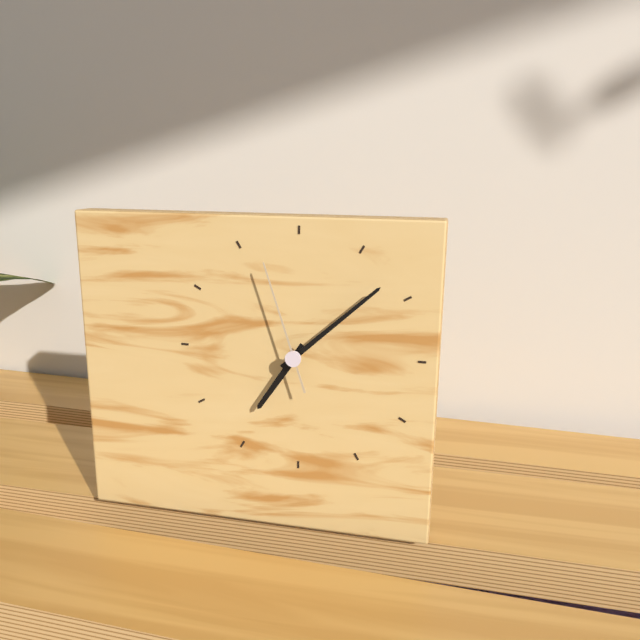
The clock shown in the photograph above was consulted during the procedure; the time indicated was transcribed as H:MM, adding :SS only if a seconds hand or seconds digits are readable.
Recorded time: 7:08:57
